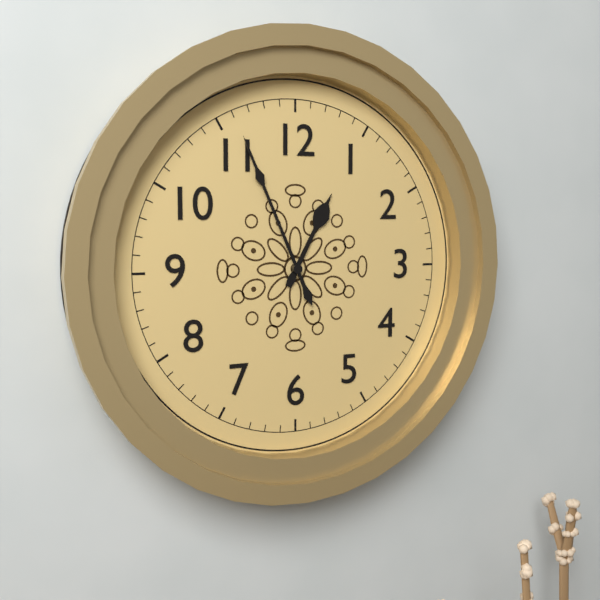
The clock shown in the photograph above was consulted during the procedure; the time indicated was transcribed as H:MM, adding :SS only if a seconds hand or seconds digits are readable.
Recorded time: 12:56
